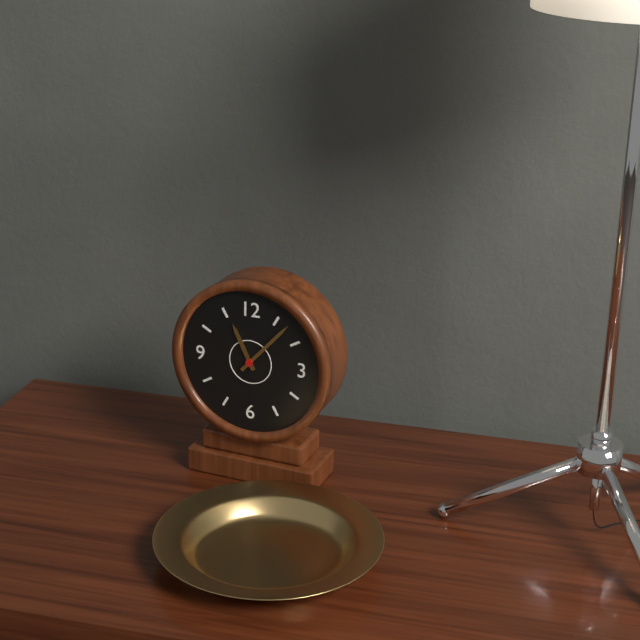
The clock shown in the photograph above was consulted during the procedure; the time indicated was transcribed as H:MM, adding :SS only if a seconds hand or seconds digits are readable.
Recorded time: 11:07
